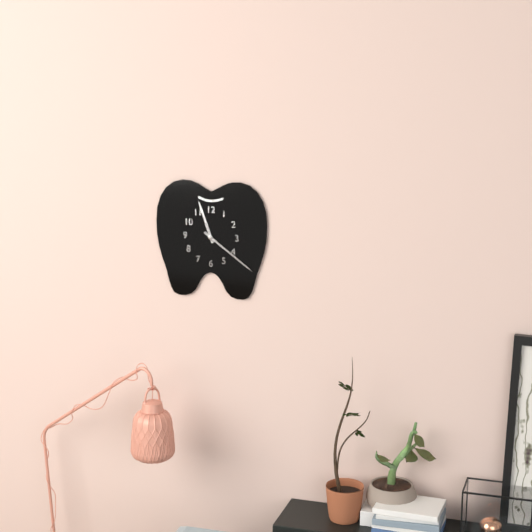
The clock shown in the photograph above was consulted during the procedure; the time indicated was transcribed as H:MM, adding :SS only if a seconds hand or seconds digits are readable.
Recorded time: 11:21
